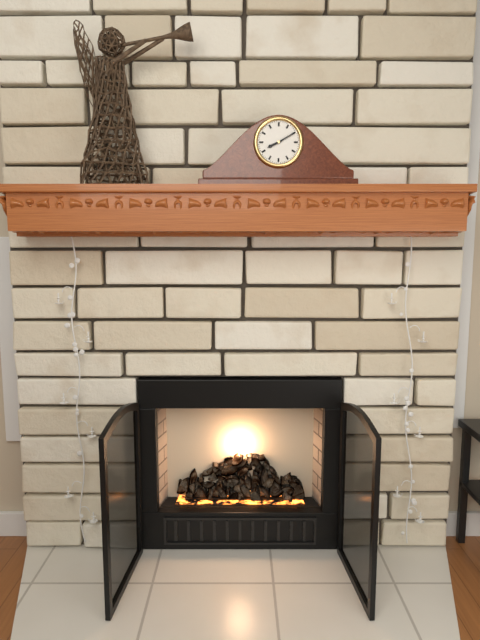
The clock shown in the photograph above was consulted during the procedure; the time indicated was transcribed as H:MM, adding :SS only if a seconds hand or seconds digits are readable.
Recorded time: 8:10
